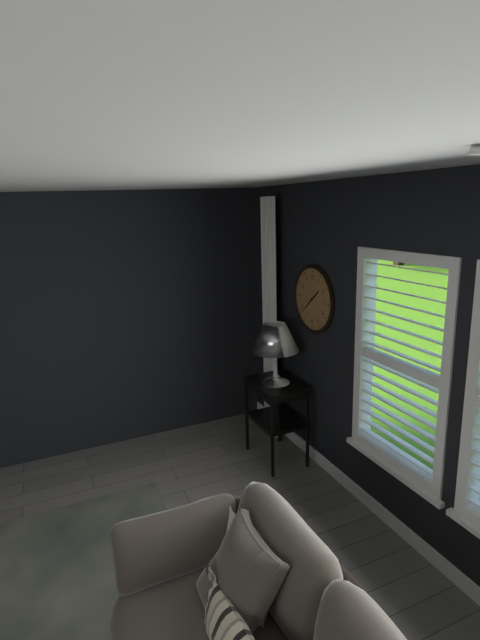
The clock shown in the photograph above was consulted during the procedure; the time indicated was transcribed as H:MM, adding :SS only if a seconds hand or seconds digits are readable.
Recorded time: 1:38
